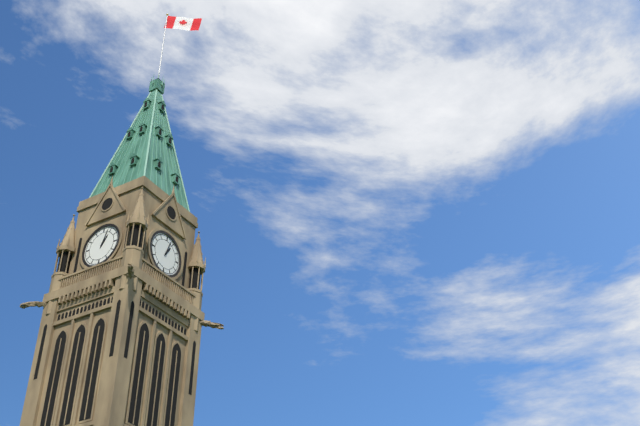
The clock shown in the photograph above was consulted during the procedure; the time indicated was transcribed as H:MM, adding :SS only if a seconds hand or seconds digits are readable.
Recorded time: 1:03
